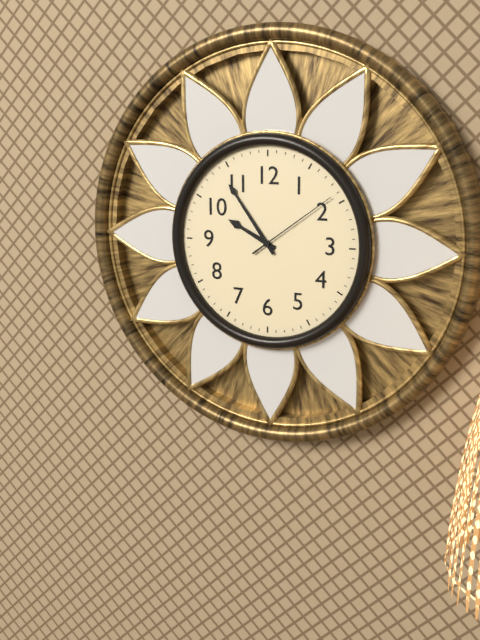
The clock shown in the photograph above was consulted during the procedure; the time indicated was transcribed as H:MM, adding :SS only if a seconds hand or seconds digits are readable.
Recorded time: 9:54:09
